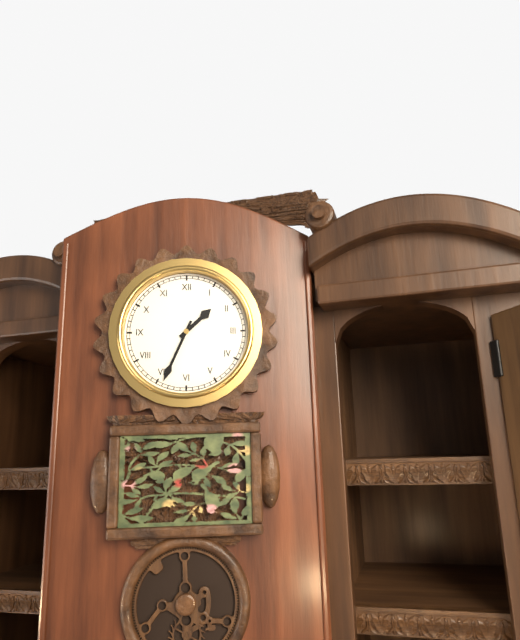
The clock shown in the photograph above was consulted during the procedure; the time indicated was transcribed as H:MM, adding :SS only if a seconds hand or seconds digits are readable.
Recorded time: 1:34
